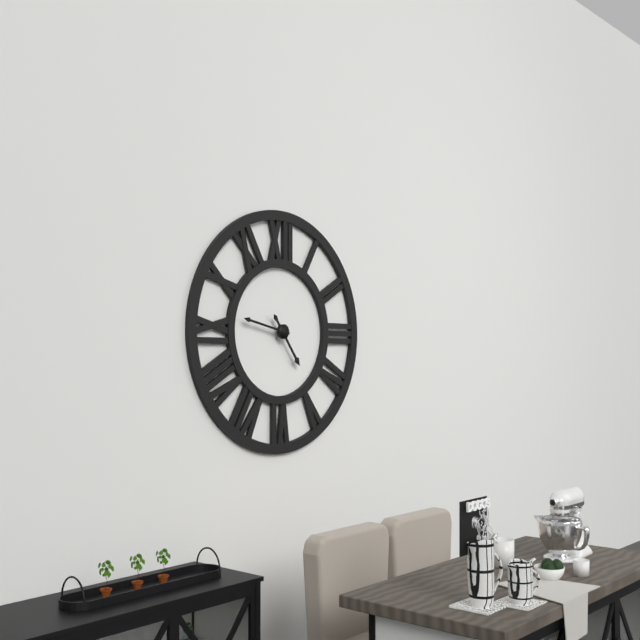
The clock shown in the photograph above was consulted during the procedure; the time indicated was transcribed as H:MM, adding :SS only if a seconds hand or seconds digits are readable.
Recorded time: 4:47
